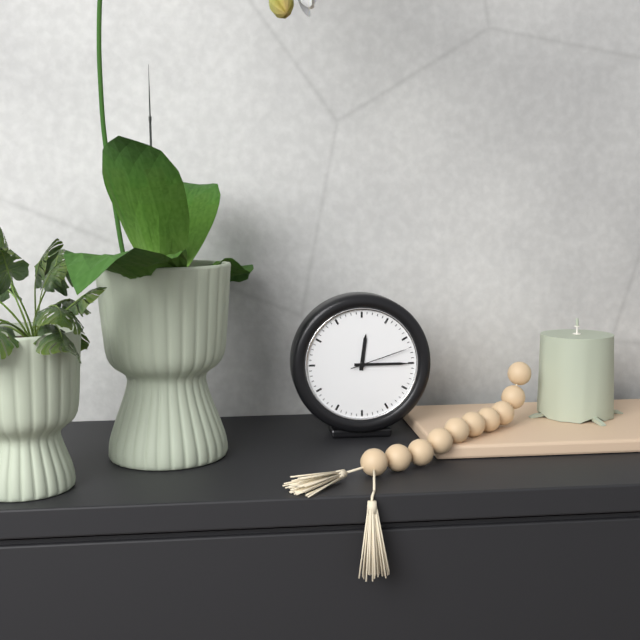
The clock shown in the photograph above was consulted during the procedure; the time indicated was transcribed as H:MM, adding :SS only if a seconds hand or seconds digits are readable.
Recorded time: 12:15:12
